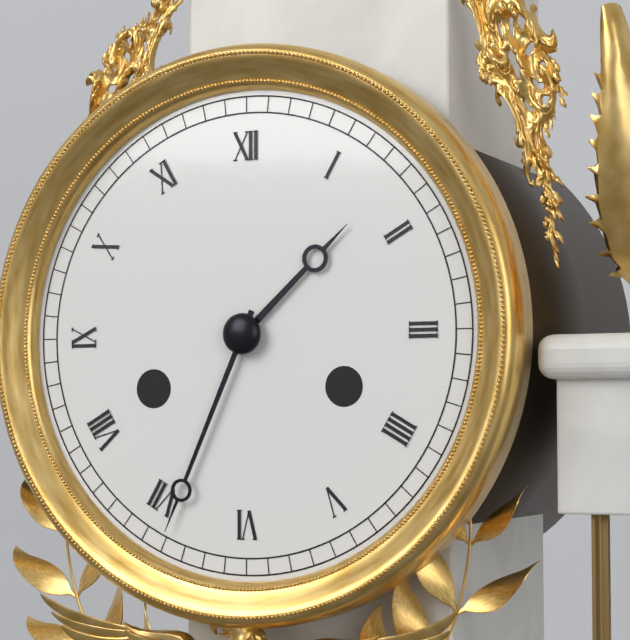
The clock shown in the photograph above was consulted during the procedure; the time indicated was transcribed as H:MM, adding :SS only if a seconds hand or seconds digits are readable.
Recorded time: 1:34
